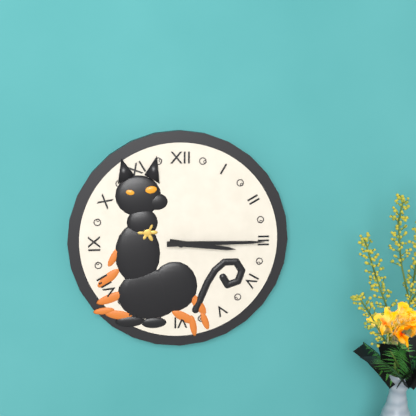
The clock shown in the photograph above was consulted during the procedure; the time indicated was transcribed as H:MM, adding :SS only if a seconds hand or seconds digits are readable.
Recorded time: 3:15
